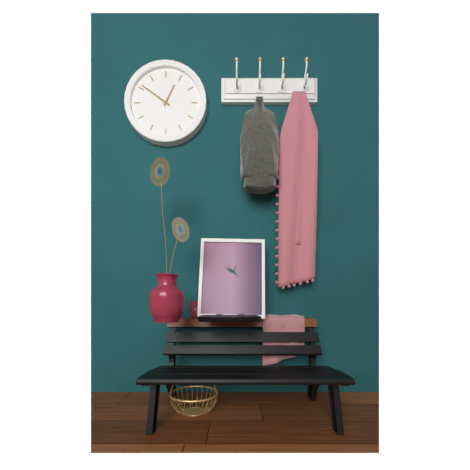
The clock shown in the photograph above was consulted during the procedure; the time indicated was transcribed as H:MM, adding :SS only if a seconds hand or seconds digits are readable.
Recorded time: 12:51
